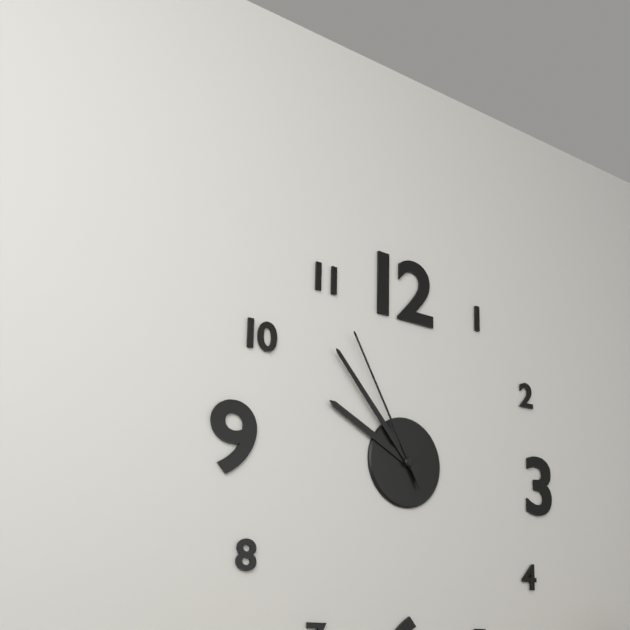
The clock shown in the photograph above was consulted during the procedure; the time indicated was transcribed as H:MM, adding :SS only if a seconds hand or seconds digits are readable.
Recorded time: 9:53:55
